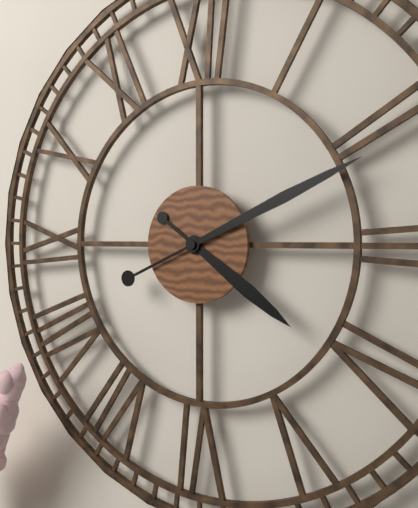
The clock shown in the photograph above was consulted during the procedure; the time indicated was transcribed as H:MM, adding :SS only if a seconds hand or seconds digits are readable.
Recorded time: 4:11
